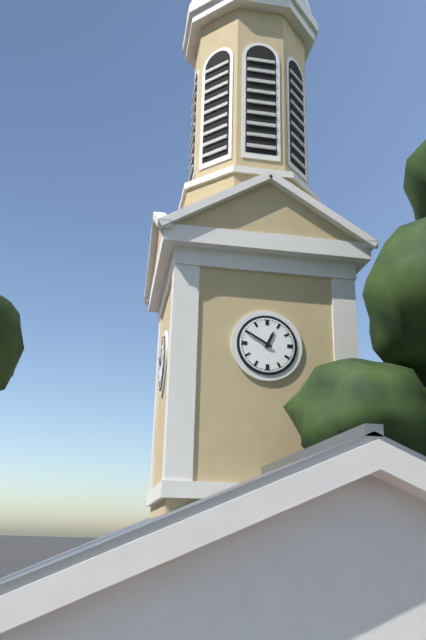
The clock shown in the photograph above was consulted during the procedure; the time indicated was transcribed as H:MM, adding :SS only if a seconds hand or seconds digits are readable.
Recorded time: 12:50
